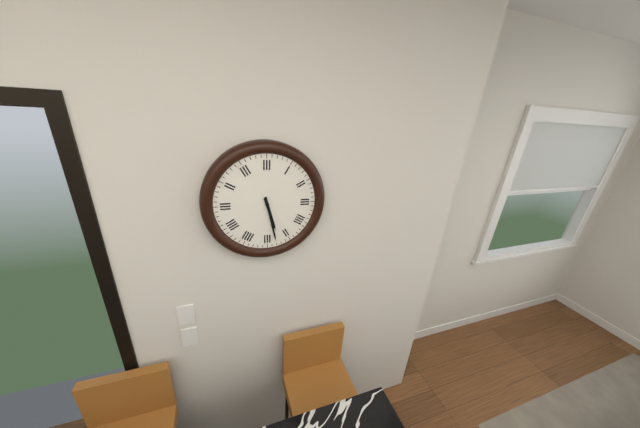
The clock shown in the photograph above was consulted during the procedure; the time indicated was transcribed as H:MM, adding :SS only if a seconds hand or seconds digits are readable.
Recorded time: 5:28
